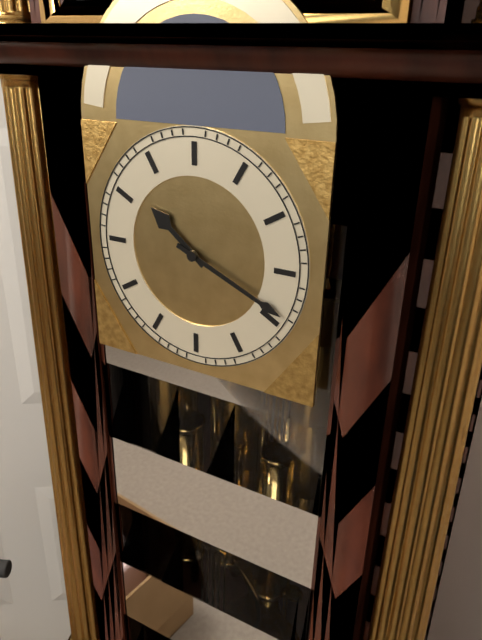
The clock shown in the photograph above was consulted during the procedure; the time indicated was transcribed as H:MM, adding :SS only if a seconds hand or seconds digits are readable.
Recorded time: 10:19
